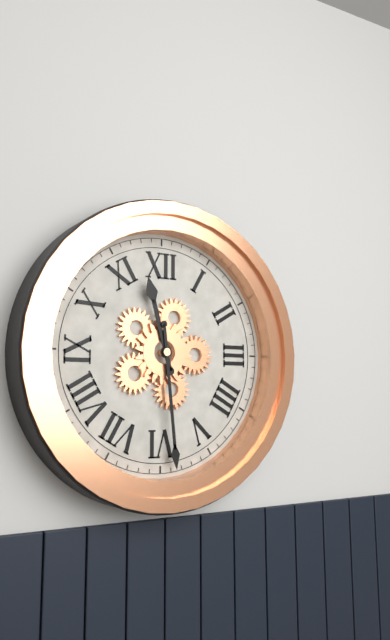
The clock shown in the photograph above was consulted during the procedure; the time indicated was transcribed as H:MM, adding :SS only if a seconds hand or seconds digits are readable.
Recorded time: 11:29
